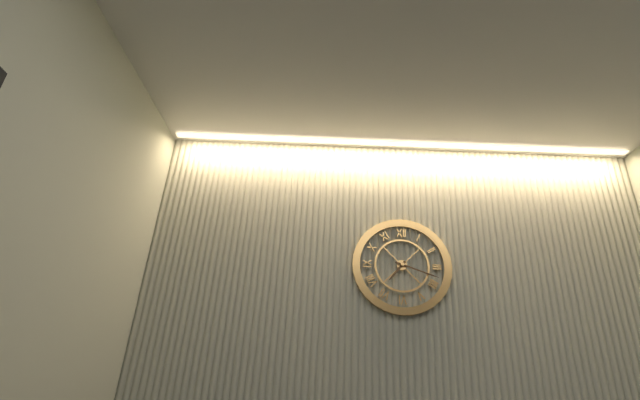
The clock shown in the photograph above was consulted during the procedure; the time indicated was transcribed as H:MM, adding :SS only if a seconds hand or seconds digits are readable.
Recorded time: 7:18
